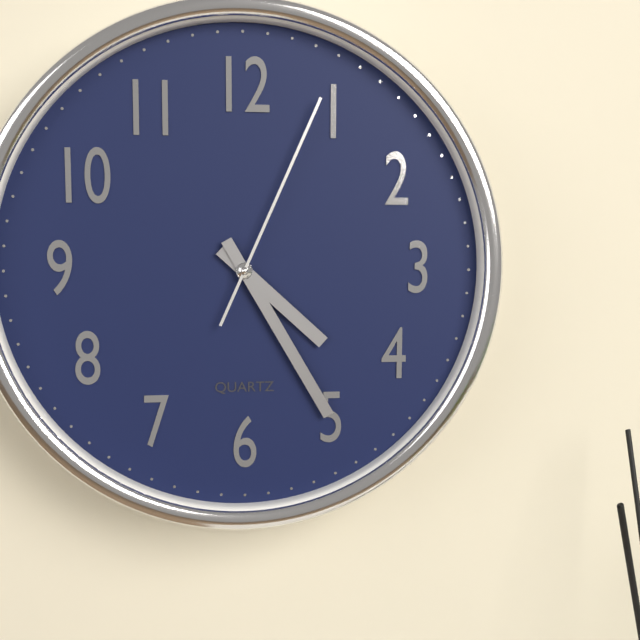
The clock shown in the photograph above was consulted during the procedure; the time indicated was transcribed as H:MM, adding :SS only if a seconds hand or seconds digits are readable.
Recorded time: 4:25:04
